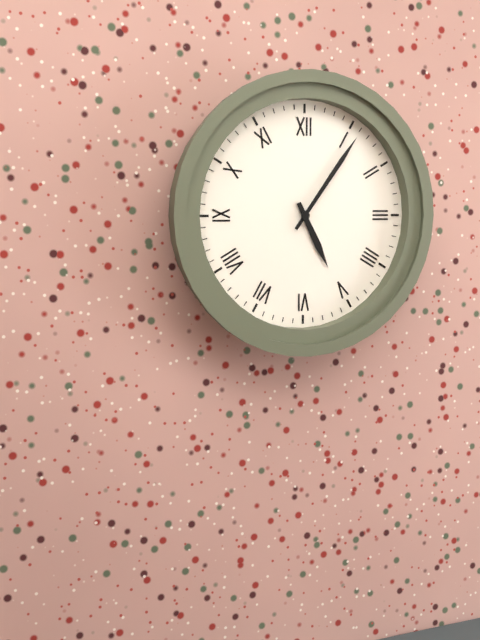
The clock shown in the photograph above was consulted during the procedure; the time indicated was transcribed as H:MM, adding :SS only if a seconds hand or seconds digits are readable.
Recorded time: 5:06
